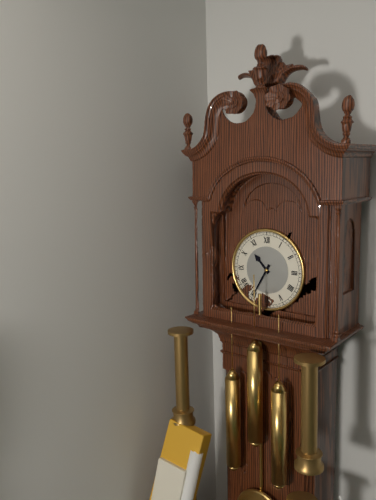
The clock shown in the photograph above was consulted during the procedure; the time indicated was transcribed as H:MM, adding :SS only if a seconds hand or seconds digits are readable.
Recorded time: 10:35
